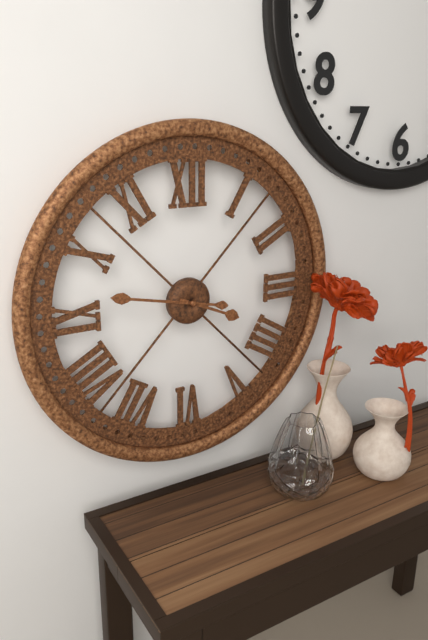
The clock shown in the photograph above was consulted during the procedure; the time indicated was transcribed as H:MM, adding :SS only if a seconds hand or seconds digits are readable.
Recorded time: 3:47
